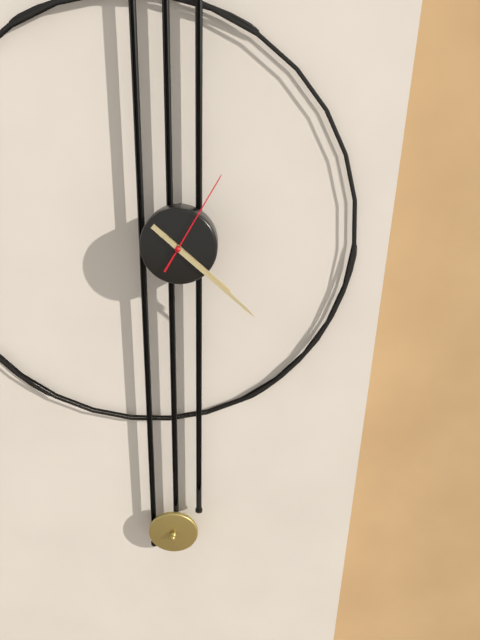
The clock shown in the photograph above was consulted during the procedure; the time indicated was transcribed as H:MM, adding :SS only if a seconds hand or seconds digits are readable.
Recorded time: 4:22:05
